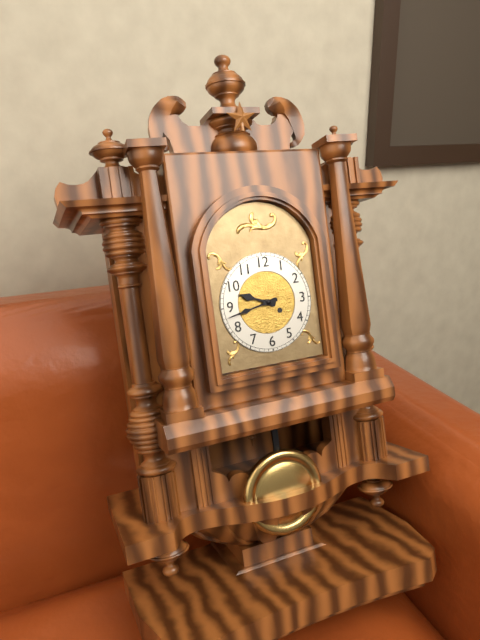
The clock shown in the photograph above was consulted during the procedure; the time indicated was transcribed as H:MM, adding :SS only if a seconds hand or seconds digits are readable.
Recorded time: 9:43
